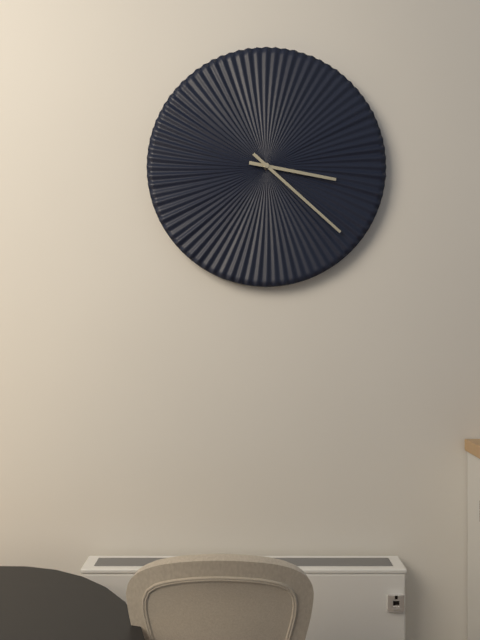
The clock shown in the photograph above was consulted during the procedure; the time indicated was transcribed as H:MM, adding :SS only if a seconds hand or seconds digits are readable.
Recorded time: 3:22
